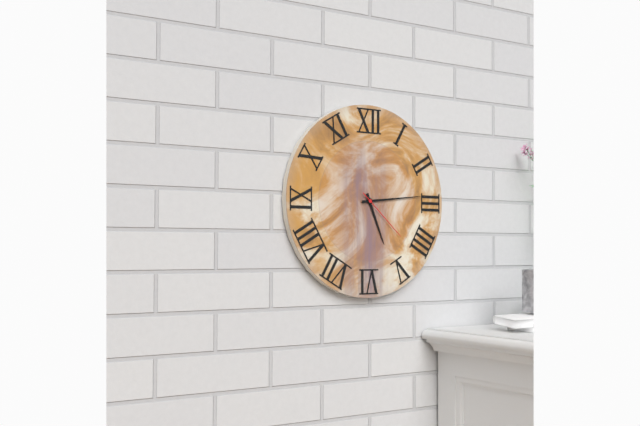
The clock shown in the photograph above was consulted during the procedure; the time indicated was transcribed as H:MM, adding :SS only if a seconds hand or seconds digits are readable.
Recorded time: 5:14:22
